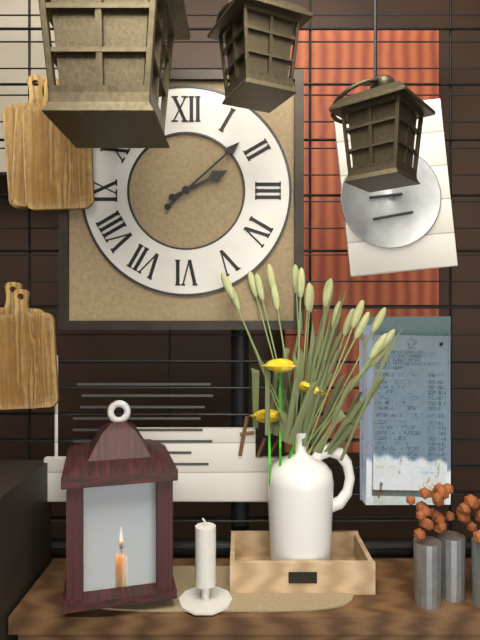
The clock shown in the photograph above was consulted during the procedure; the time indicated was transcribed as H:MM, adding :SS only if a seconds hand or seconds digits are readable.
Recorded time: 2:08
